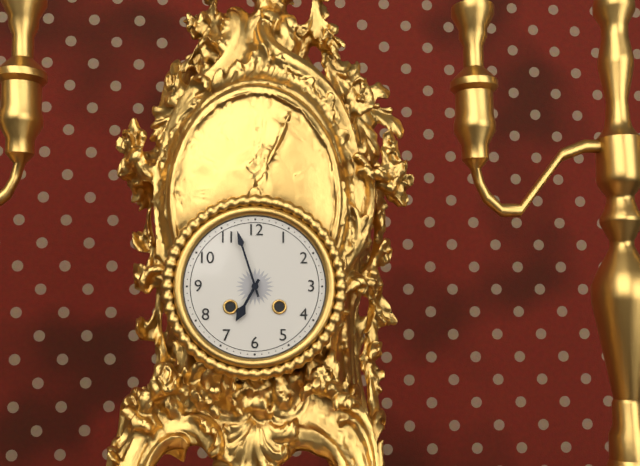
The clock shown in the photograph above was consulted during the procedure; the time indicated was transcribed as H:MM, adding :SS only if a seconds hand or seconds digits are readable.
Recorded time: 6:57
